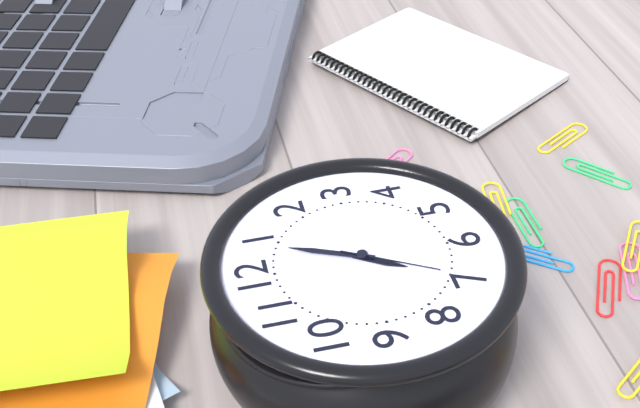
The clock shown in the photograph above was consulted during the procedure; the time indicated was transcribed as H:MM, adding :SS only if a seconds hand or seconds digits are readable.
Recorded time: 7:04:35
